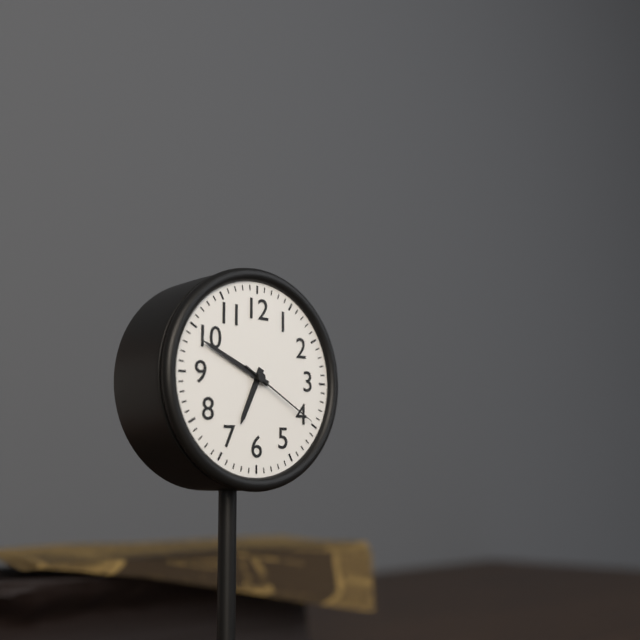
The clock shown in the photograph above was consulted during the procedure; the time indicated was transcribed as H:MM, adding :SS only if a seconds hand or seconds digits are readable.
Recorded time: 6:49:20
